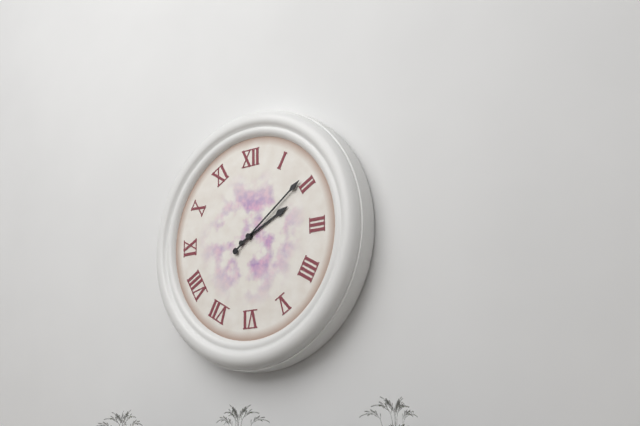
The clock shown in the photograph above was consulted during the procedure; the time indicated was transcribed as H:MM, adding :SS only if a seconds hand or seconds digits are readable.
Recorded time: 2:09
